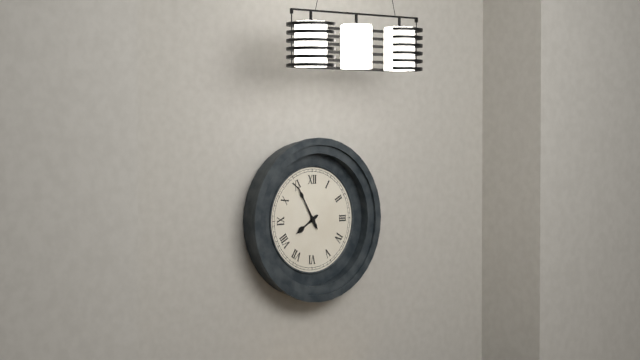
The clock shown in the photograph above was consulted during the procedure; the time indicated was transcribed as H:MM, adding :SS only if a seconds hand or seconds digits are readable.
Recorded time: 7:55
